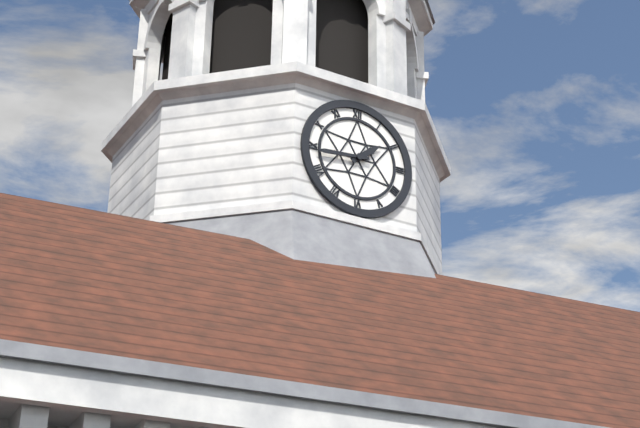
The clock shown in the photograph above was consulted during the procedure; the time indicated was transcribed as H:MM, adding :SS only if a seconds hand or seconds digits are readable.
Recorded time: 1:44
